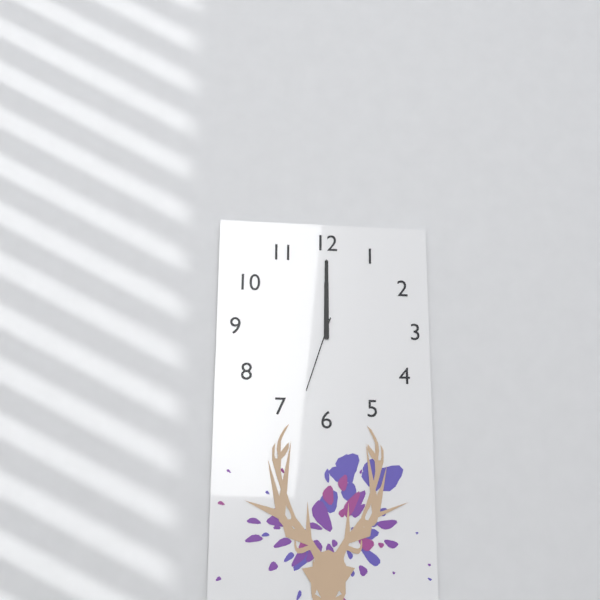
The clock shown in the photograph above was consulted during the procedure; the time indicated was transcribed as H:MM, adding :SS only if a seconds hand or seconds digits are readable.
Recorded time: 12:00:33
